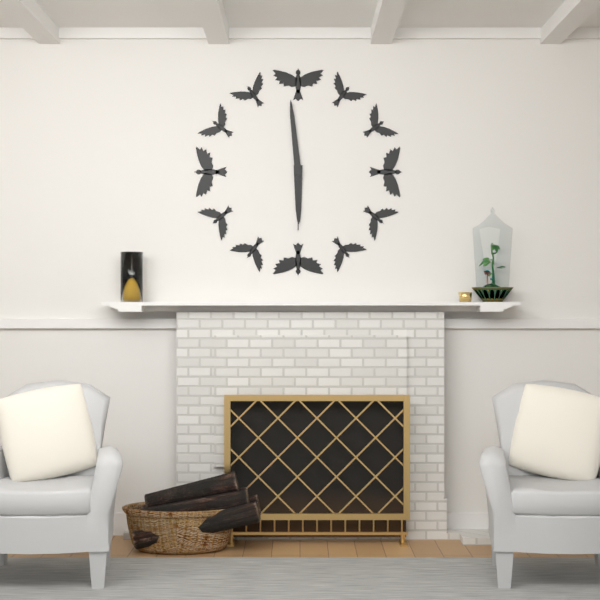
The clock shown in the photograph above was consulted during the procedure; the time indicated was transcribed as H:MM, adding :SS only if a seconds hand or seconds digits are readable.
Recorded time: 5:59:30
